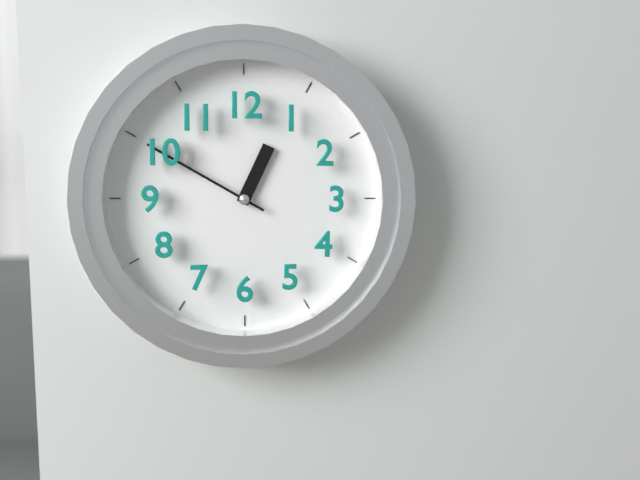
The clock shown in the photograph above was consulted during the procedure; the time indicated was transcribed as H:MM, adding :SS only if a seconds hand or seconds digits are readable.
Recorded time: 12:50
